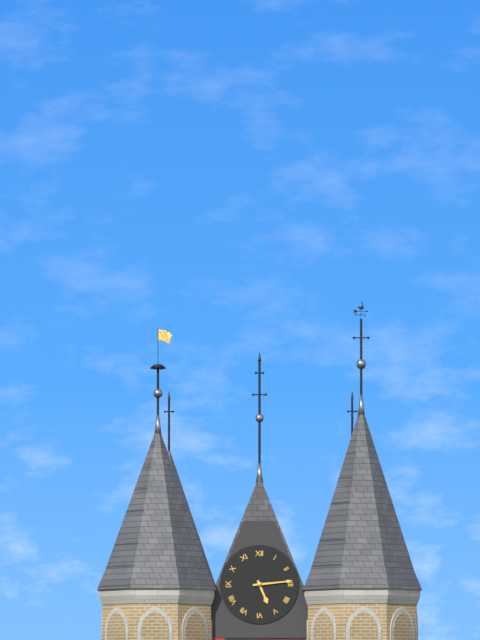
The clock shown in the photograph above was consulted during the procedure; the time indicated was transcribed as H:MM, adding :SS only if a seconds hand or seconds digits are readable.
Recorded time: 5:14
